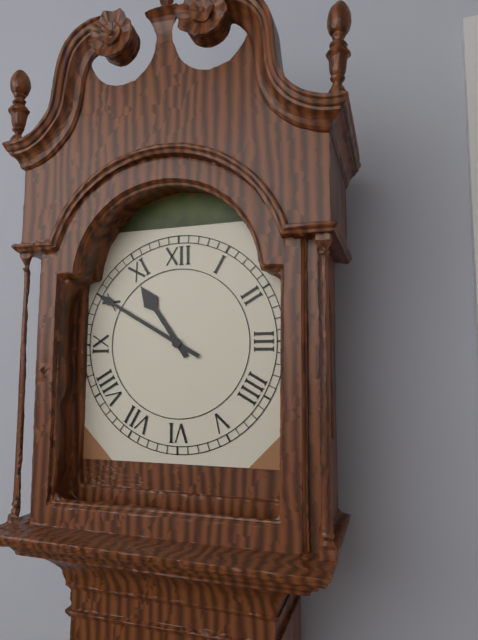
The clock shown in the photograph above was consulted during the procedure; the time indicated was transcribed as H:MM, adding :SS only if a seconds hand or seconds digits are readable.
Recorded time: 10:50
